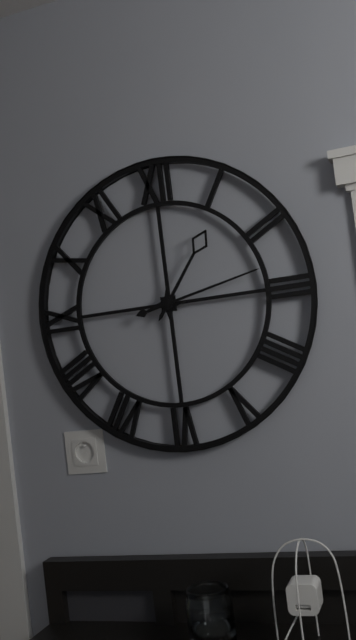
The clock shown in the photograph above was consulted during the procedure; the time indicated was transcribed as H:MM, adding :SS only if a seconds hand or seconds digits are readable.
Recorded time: 1:13
